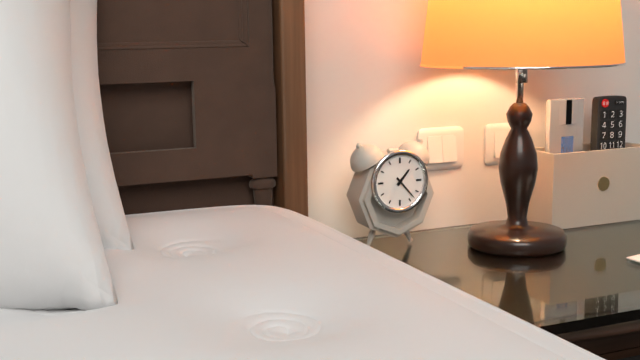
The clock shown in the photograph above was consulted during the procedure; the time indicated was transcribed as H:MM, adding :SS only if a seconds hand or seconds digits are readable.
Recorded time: 1:23
